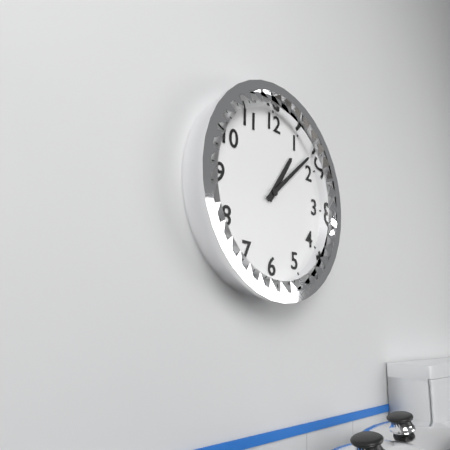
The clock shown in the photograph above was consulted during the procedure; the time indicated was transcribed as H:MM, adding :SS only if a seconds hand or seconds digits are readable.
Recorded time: 1:08
